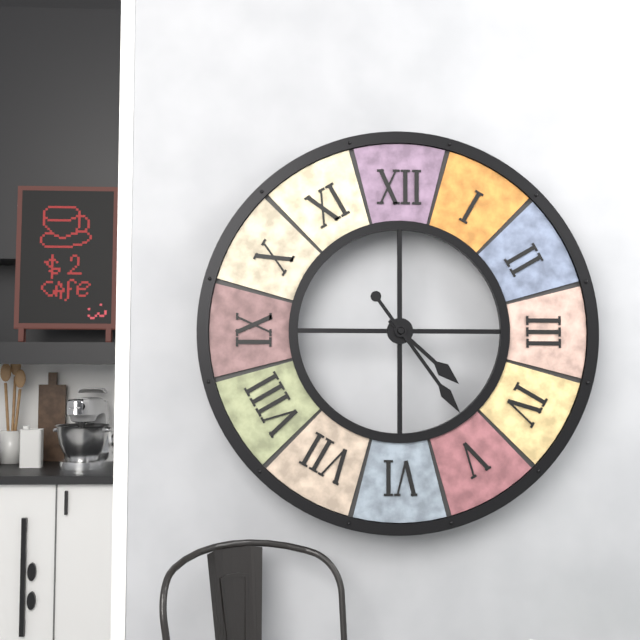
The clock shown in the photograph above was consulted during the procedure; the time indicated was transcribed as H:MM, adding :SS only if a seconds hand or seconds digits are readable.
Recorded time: 4:24
